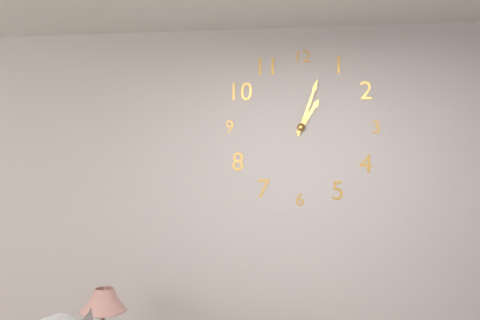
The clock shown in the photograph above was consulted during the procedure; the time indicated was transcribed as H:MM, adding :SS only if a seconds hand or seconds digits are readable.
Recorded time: 1:03
